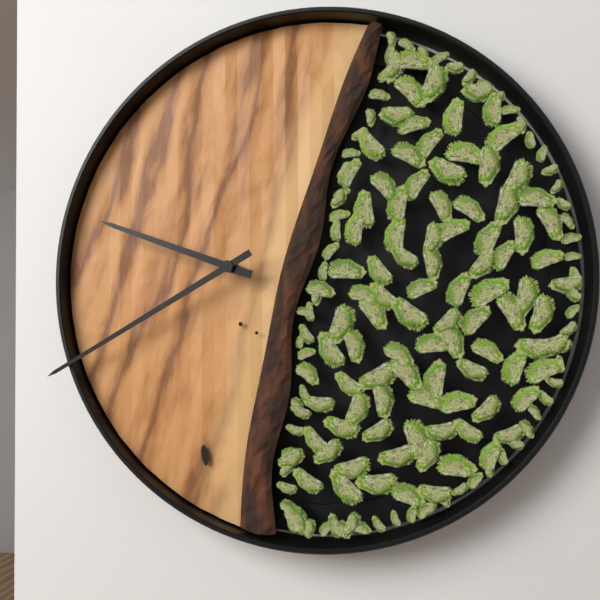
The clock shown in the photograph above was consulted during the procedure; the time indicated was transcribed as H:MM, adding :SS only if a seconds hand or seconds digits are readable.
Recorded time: 9:40
